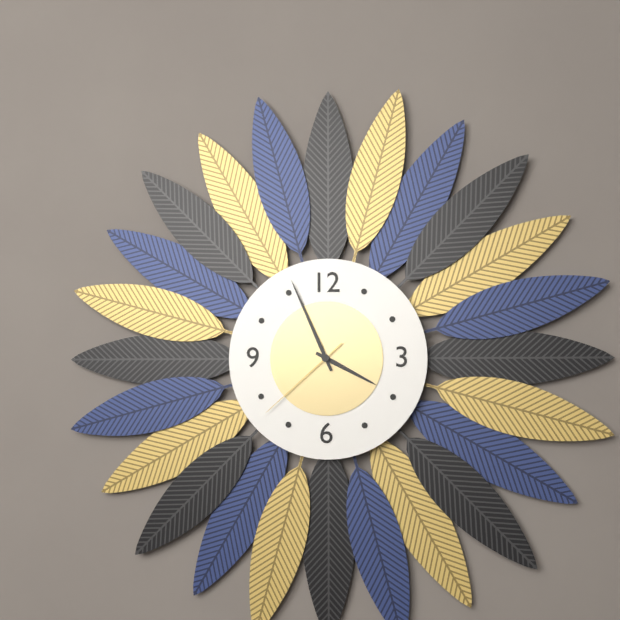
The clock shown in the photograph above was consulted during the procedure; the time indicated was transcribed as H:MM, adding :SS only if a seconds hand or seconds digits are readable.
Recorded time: 3:56:38
